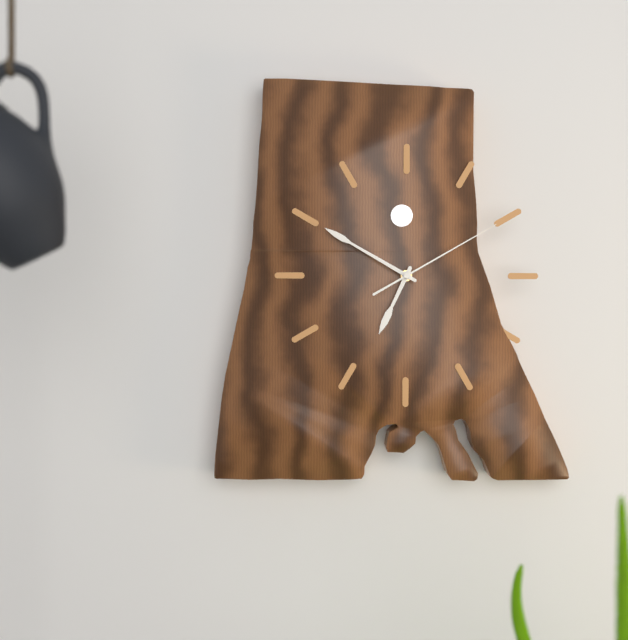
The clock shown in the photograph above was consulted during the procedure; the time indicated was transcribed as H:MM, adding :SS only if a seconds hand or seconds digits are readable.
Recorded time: 6:50:10
